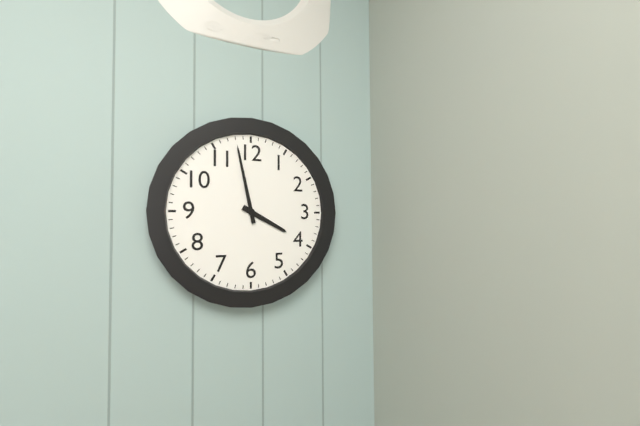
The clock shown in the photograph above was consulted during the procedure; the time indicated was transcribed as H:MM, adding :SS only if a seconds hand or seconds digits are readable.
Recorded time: 3:58
